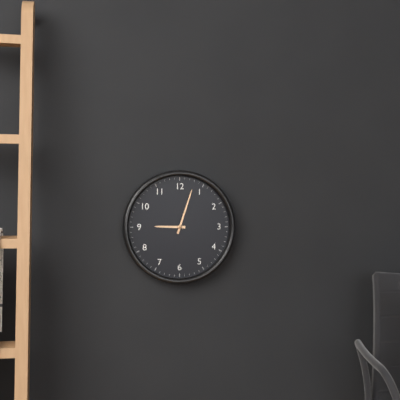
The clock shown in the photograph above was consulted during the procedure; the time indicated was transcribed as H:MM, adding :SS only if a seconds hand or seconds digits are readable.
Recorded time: 9:03
